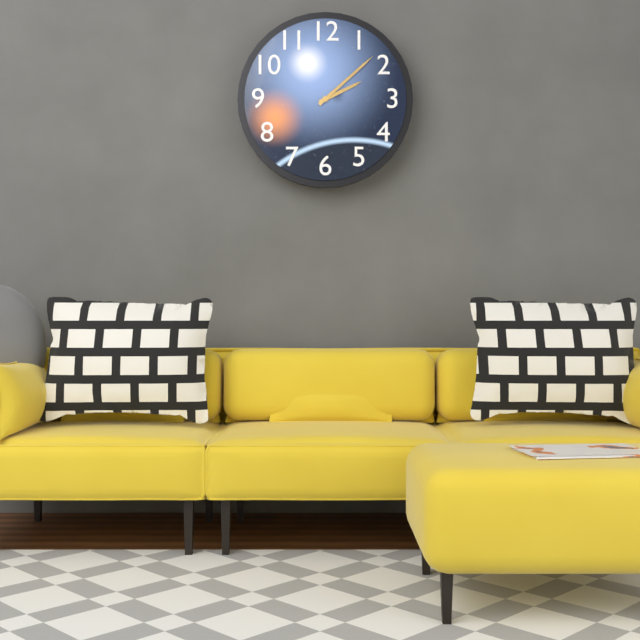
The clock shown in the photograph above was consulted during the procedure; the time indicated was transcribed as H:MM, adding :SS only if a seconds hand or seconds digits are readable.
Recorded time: 2:08
